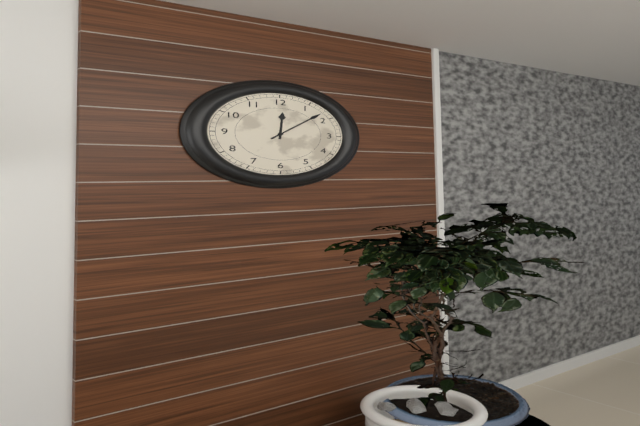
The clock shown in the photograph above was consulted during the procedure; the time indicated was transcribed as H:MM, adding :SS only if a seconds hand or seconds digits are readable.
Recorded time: 12:08
